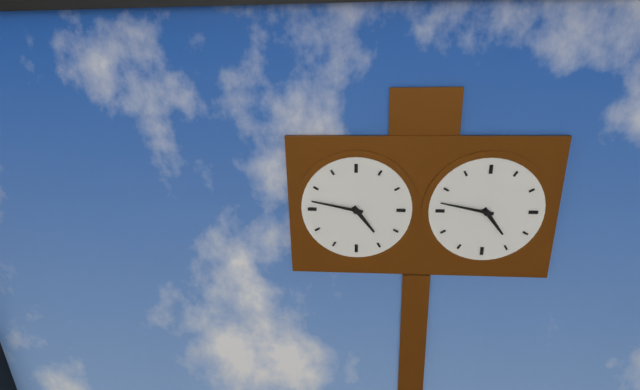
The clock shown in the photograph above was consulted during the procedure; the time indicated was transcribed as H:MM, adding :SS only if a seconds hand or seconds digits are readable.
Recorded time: 4:47
